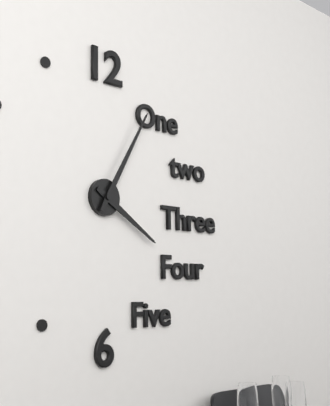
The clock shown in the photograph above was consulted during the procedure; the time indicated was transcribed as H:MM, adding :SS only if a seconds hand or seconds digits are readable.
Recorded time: 4:05
